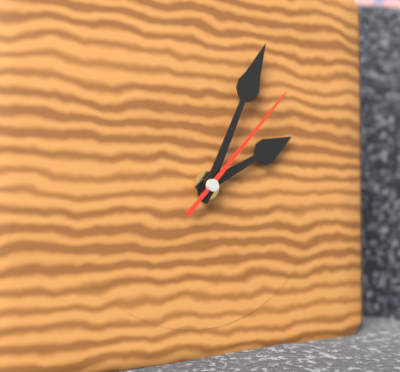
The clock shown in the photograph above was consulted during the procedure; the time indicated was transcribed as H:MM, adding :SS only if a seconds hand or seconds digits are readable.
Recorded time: 2:04:07
